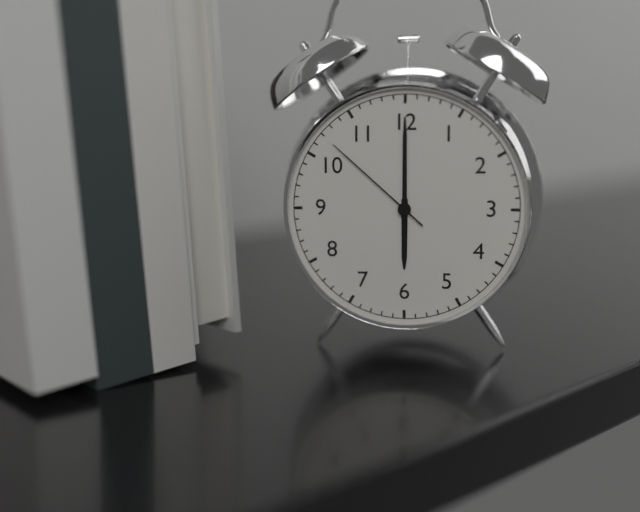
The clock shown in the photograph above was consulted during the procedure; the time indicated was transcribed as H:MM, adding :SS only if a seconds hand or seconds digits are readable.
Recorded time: 6:00:52
